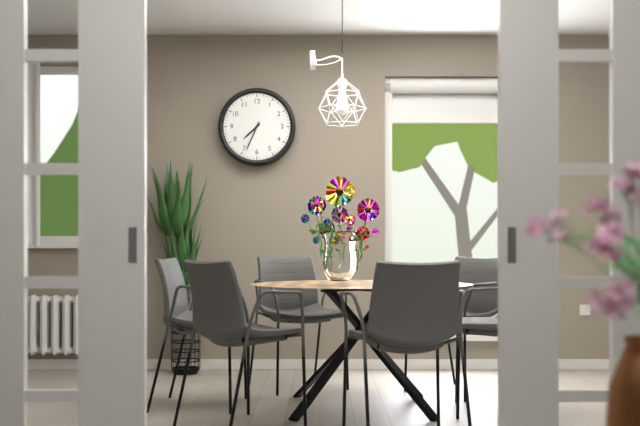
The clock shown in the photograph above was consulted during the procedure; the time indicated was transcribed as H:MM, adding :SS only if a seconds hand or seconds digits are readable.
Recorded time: 7:34
